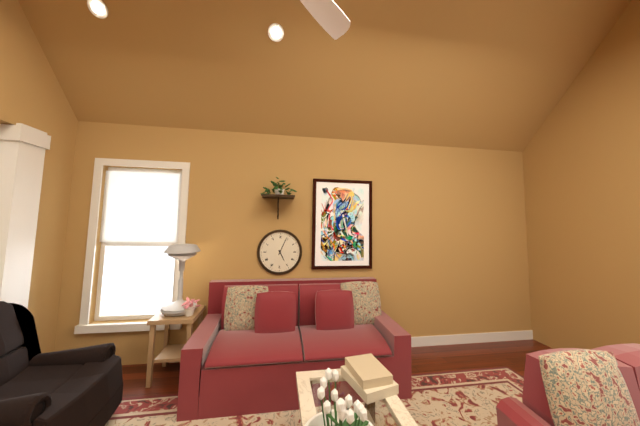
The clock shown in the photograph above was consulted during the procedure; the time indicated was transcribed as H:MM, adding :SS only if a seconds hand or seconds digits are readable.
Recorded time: 5:04
